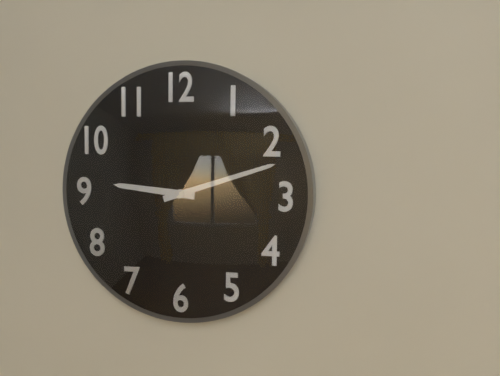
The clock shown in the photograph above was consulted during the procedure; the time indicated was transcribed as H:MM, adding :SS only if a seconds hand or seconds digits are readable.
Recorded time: 9:12
